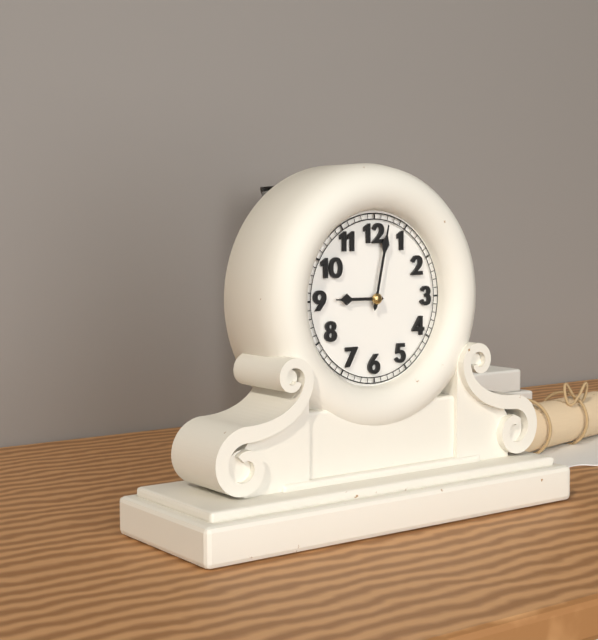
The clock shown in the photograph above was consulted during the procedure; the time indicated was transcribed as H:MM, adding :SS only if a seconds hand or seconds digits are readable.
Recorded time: 9:02
